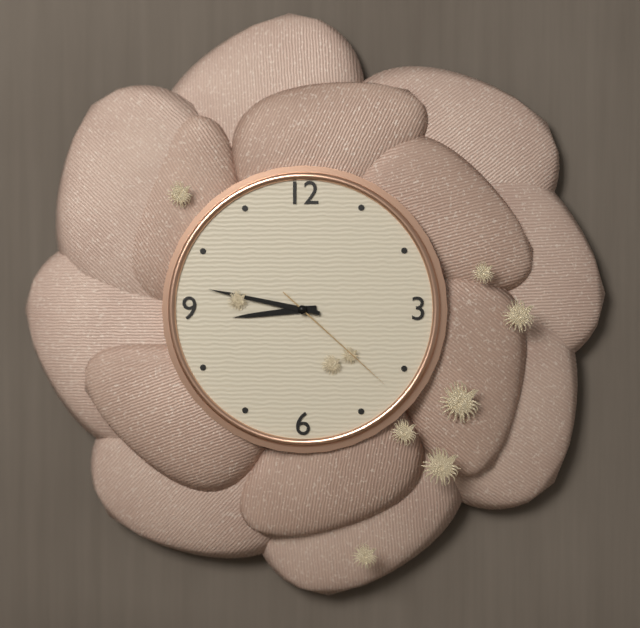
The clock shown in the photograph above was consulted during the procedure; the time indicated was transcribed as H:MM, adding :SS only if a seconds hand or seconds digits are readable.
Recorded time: 8:47:22
